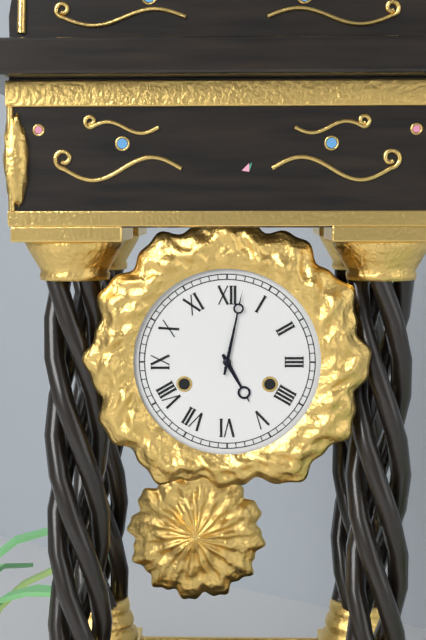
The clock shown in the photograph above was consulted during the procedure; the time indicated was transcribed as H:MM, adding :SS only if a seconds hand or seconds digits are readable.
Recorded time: 5:02
